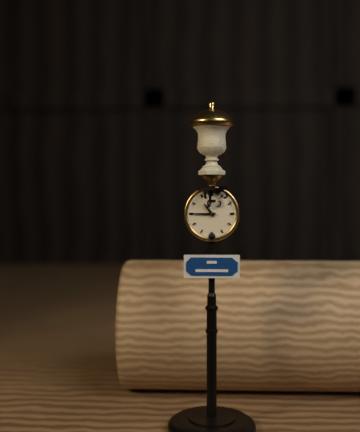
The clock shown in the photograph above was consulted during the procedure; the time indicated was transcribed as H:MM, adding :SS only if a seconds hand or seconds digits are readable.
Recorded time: 10:45
